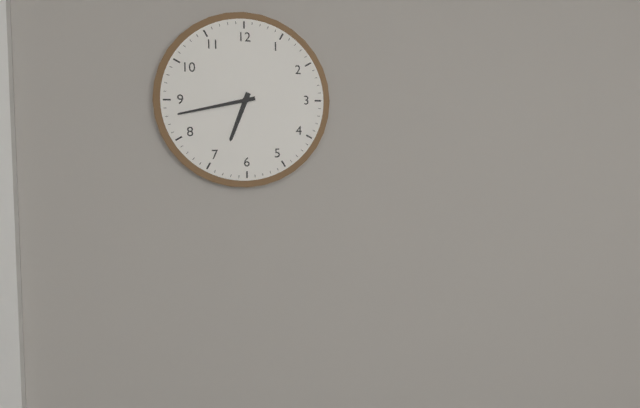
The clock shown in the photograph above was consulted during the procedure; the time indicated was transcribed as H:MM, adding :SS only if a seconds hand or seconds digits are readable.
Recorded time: 6:43
